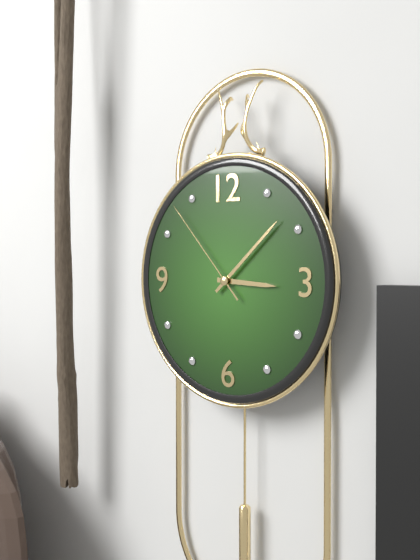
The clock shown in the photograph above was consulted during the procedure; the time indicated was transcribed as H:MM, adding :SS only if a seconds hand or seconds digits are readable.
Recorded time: 3:08:53
